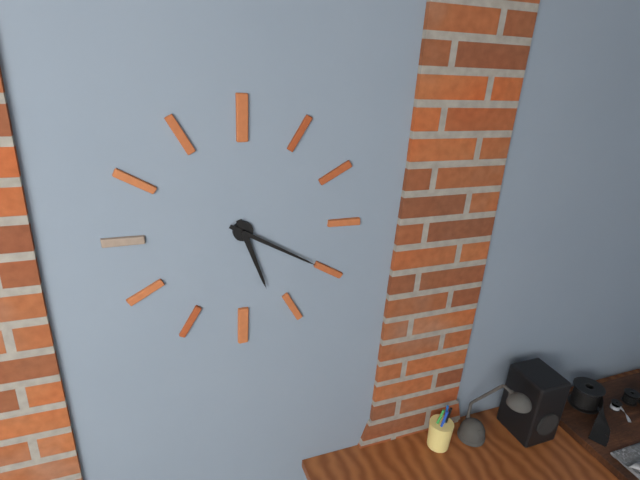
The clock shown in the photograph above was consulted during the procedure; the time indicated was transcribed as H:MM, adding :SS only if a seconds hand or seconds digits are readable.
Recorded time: 5:20
